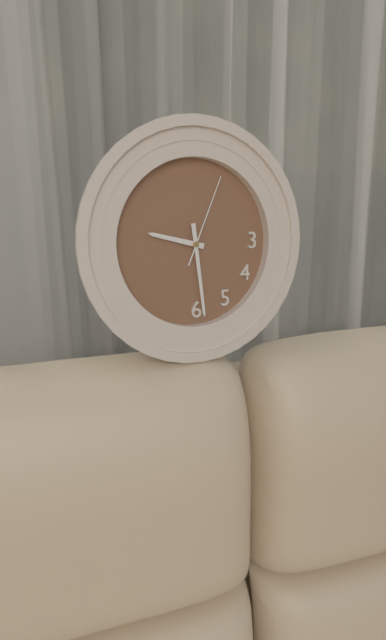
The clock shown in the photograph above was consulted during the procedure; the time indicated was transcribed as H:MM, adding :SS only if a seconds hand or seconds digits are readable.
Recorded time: 9:29:04
